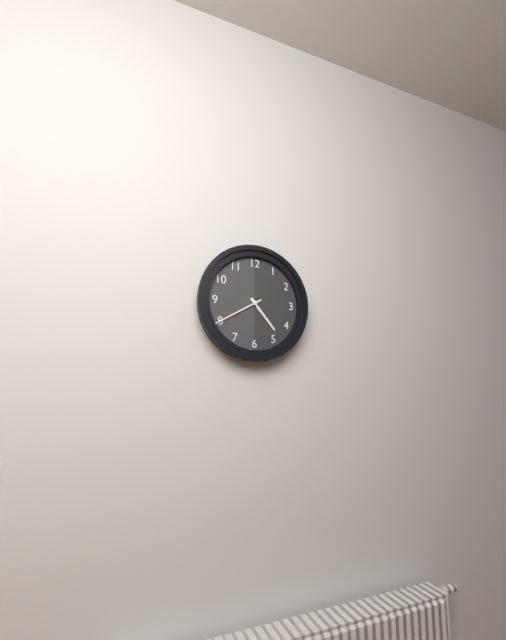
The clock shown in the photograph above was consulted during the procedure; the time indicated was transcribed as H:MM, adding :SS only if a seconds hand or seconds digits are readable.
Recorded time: 4:40
